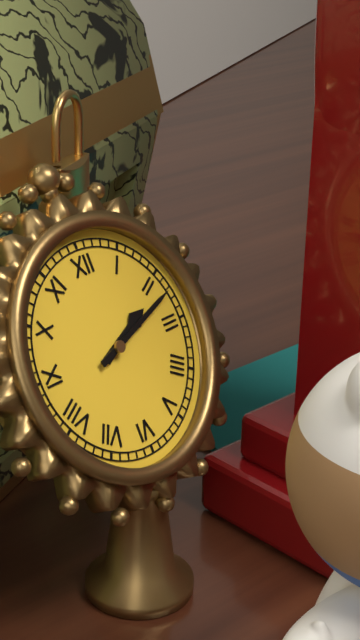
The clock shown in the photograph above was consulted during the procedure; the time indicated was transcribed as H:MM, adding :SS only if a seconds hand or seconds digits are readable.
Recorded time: 2:12
